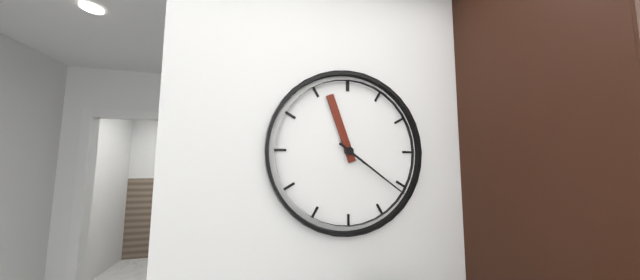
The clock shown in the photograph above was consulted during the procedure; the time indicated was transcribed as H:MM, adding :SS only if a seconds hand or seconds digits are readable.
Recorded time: 11:21
